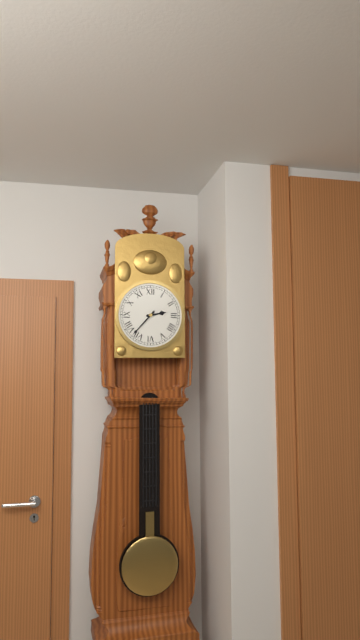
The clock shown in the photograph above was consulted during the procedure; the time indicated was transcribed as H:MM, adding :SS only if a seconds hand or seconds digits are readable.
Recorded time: 2:37
